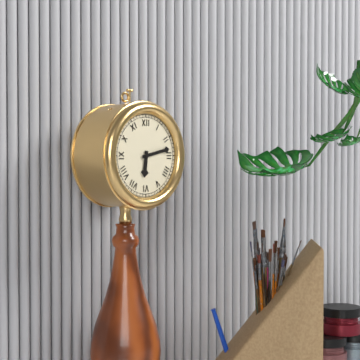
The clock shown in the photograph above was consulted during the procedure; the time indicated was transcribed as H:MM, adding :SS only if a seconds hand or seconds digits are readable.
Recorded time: 6:13
